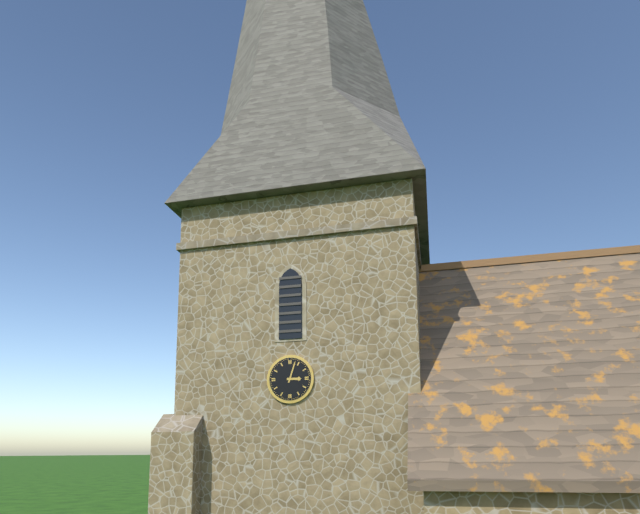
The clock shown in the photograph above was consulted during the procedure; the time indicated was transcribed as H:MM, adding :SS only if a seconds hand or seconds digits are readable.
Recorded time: 3:03
